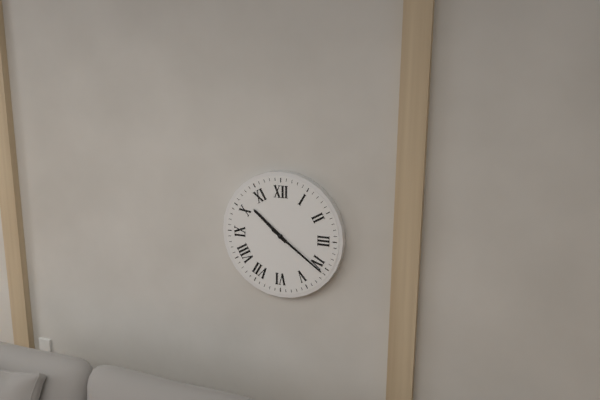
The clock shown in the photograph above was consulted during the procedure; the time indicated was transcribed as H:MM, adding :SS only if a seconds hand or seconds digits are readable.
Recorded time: 10:21
